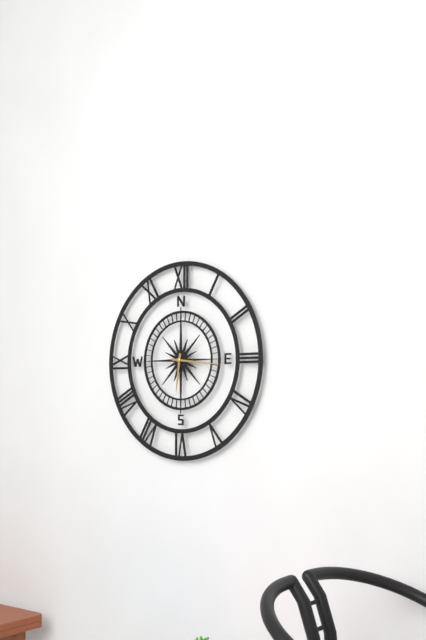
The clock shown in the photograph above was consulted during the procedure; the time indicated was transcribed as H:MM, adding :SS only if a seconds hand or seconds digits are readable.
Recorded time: 6:16
